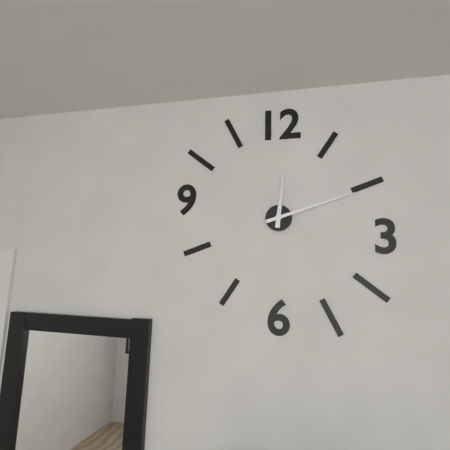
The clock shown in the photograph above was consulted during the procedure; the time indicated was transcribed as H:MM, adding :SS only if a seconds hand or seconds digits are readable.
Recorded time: 12:12
